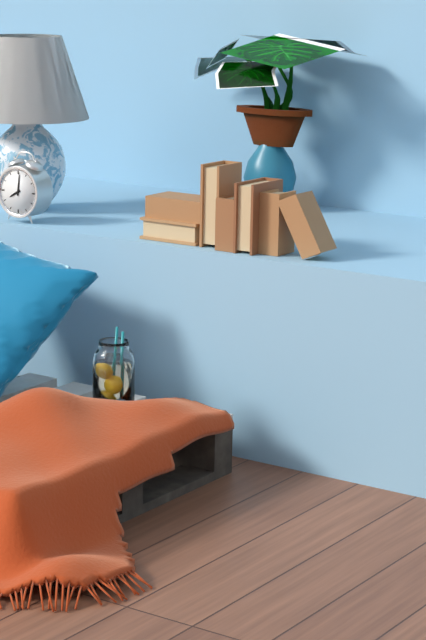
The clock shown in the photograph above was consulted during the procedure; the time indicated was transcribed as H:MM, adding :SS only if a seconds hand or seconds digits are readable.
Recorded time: 8:01
